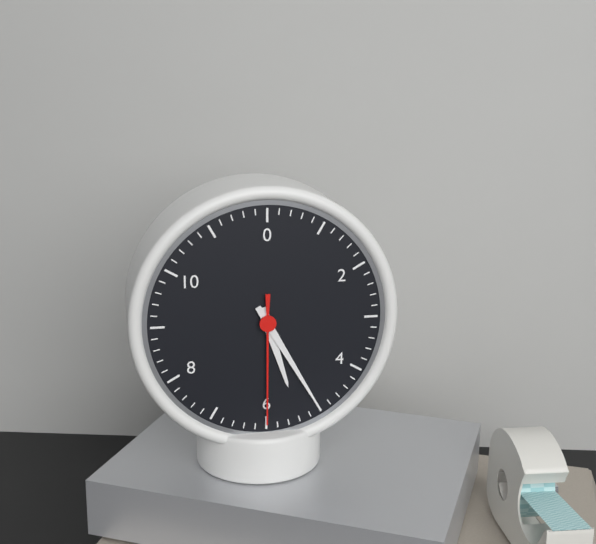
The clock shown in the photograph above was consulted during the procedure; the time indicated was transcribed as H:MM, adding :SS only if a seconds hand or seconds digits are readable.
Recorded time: 5:25:30
